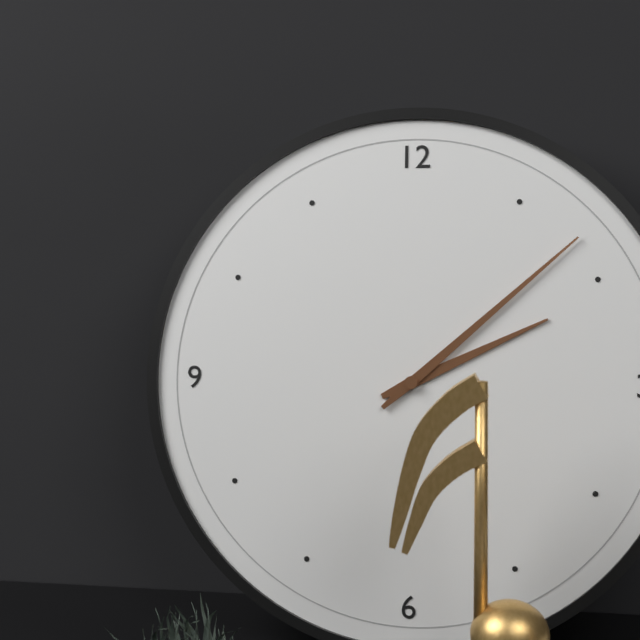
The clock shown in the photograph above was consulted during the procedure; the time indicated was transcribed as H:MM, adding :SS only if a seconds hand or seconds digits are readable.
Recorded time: 2:08
